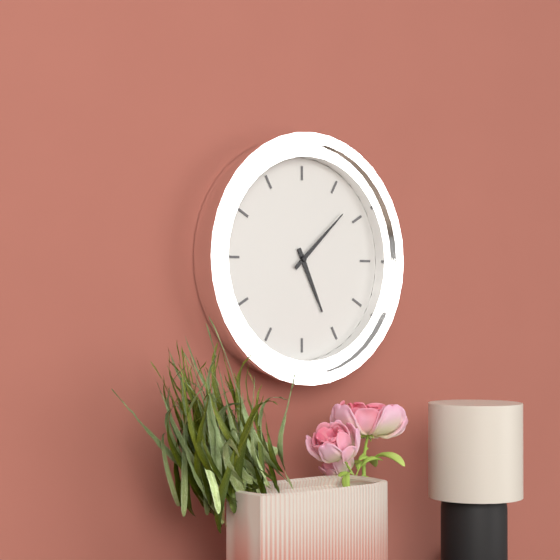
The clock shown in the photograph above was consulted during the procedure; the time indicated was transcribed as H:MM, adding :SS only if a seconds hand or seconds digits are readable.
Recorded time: 5:08
